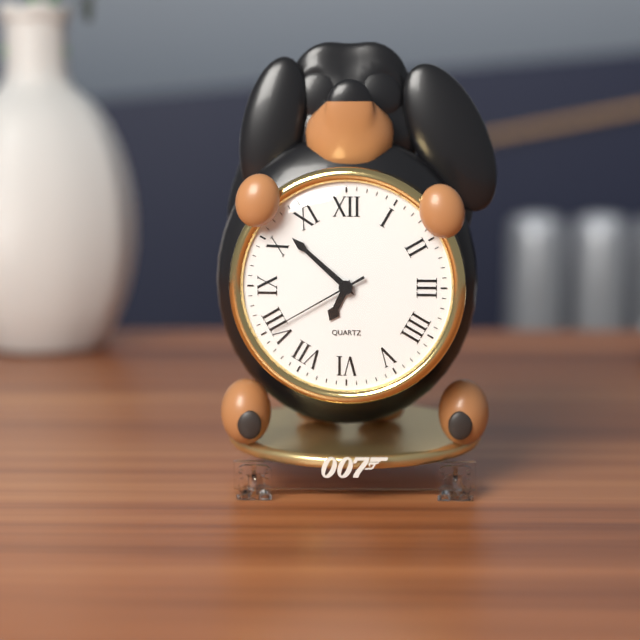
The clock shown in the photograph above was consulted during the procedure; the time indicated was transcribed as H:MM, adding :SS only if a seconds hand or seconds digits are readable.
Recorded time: 6:52:40
